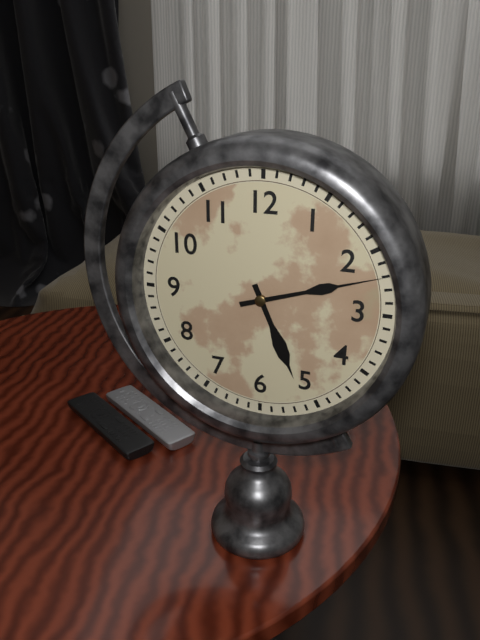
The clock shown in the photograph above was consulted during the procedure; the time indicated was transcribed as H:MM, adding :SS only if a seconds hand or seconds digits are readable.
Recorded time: 5:12
